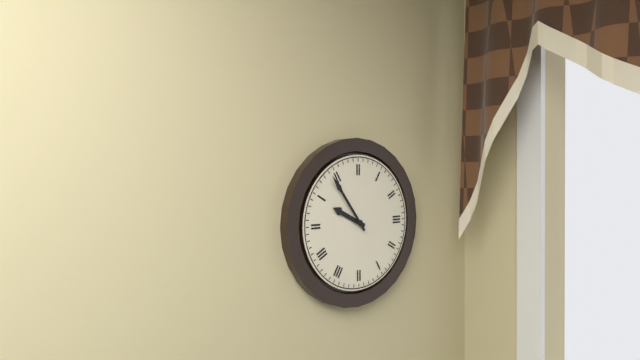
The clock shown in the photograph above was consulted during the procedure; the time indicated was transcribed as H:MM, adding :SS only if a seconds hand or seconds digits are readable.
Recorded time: 9:54
